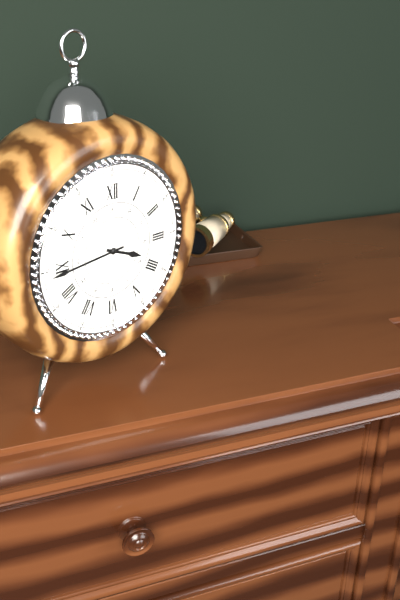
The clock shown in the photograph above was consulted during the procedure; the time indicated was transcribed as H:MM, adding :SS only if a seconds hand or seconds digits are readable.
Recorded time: 3:44
